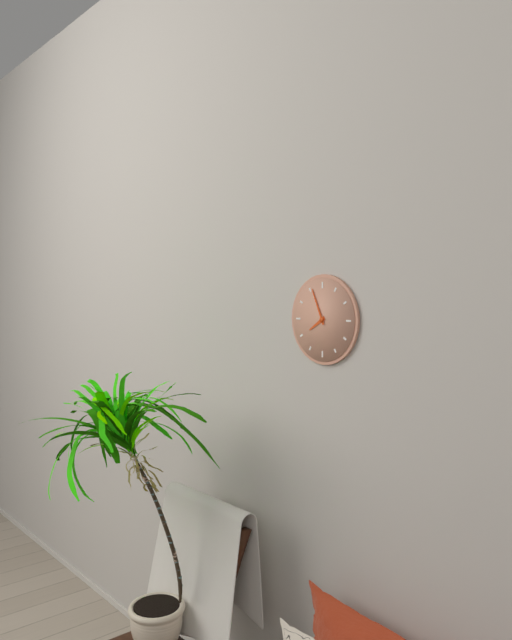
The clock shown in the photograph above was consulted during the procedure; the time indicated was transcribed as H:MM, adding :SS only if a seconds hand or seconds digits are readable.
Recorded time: 7:56
